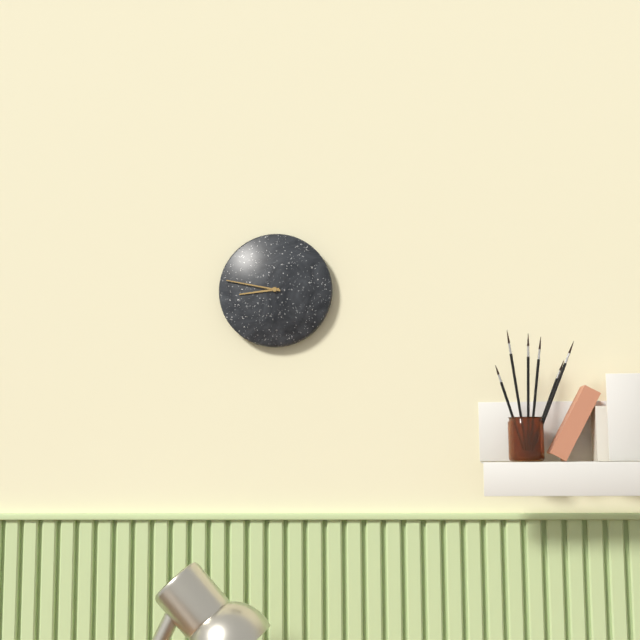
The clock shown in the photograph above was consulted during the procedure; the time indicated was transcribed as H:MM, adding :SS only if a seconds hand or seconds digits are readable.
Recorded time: 8:47
